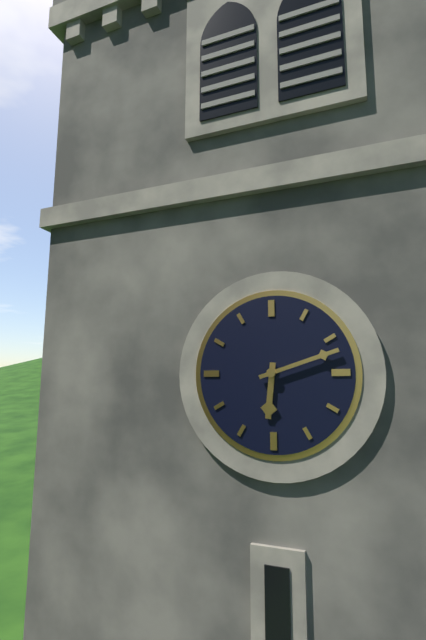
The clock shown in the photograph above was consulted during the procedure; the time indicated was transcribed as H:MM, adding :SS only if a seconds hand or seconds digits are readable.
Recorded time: 6:12
